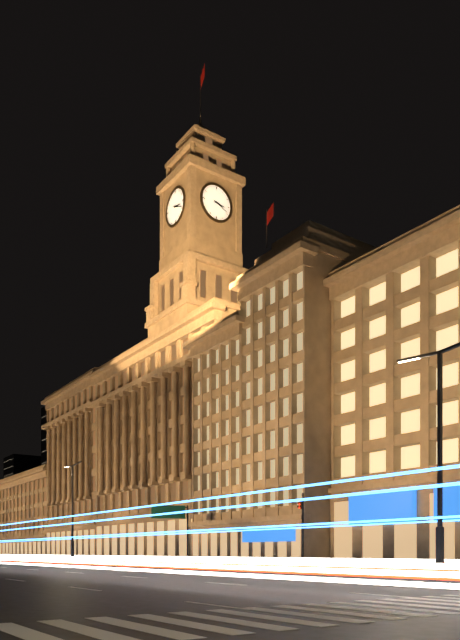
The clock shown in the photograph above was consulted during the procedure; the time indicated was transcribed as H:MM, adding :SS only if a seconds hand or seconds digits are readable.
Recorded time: 3:19
